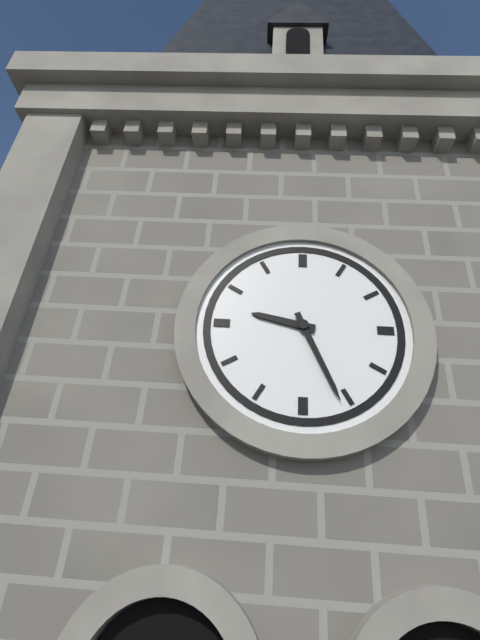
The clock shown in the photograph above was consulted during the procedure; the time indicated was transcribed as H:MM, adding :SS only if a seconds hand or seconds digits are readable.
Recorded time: 9:26
